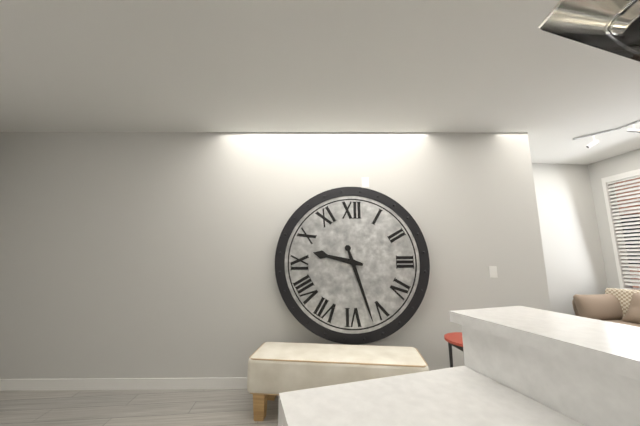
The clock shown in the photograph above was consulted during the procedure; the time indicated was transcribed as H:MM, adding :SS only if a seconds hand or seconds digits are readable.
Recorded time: 9:27
